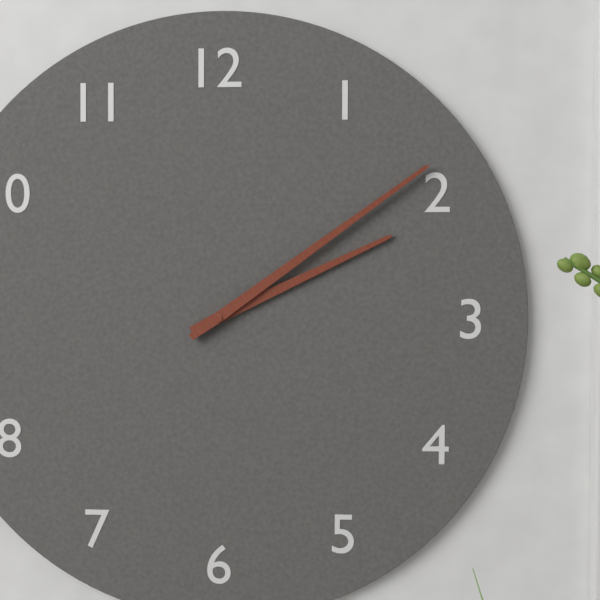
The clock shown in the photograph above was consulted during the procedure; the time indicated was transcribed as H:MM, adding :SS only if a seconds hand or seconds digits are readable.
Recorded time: 2:09
